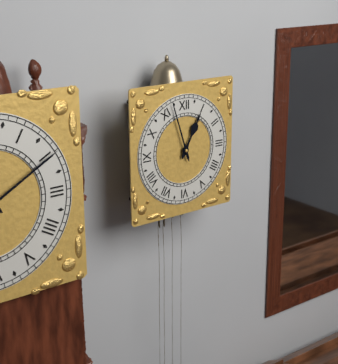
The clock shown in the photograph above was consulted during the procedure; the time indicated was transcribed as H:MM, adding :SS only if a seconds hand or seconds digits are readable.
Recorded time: 12:57
